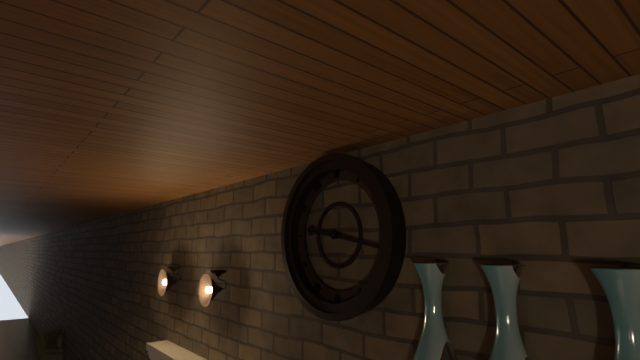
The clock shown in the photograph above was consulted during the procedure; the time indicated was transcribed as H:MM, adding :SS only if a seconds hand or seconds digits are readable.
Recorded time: 9:17
